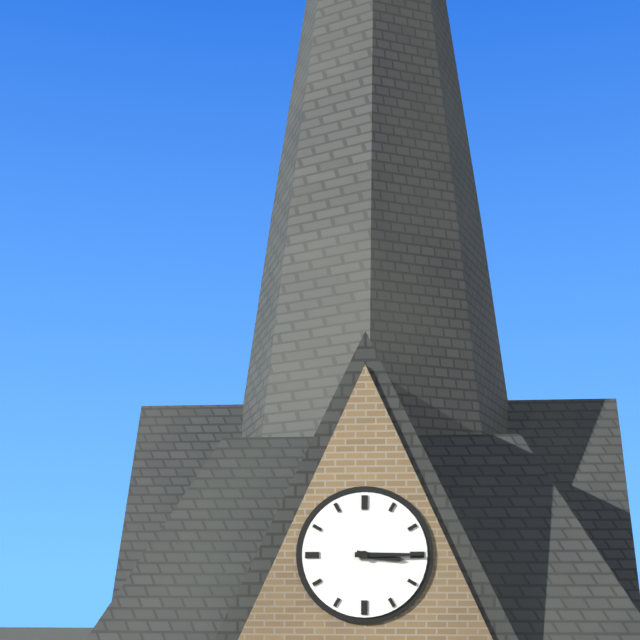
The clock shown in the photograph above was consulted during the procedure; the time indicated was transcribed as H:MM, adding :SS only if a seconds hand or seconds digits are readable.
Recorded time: 3:15
